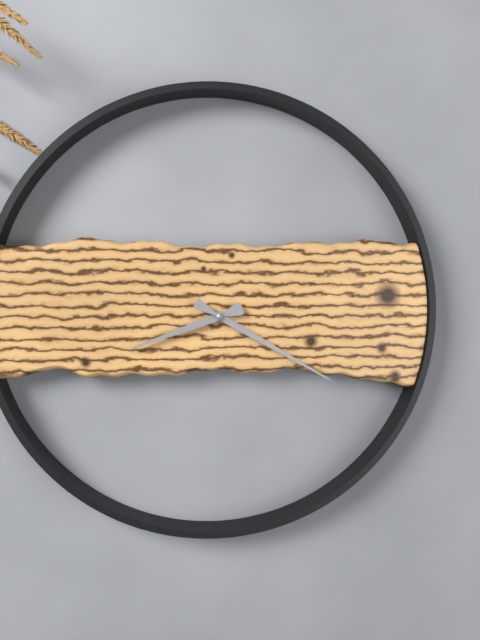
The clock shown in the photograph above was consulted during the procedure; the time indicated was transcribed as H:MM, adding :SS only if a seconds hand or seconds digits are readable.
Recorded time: 8:20
